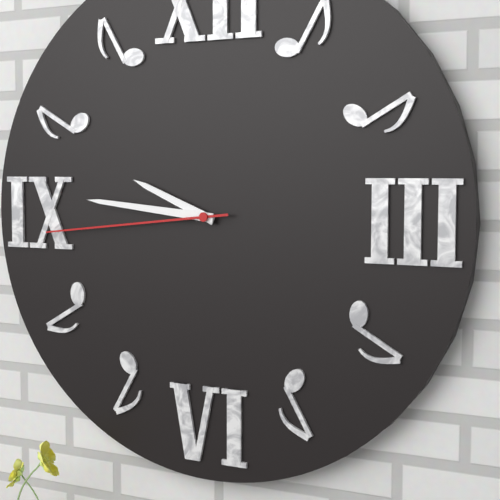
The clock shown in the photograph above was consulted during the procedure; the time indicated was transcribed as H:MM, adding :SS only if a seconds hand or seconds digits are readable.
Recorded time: 9:46:44
